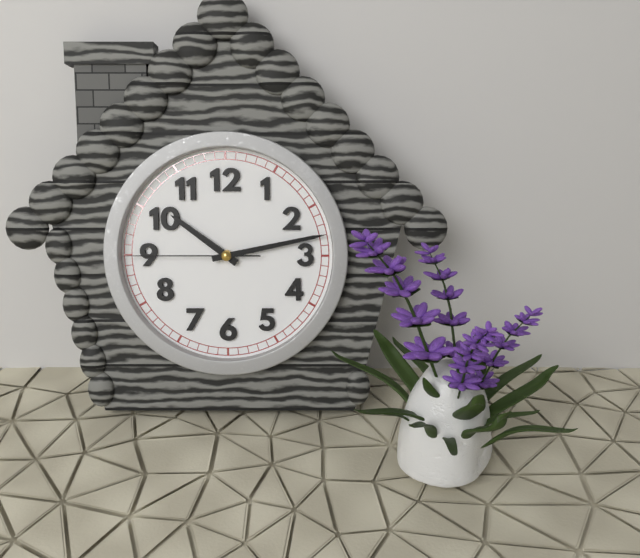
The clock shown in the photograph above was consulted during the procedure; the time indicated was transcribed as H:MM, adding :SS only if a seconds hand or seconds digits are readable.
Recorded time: 10:13:45
